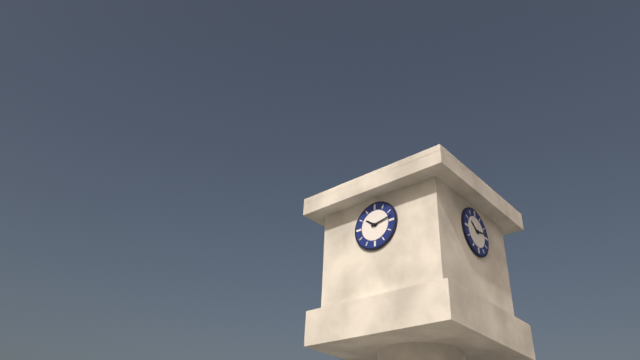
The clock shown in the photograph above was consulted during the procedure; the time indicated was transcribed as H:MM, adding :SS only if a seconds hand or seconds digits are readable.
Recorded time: 10:13
